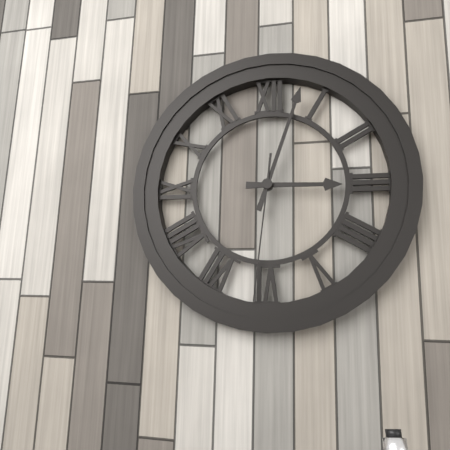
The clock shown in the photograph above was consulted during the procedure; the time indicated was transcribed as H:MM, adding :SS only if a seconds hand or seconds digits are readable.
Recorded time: 3:03:31
